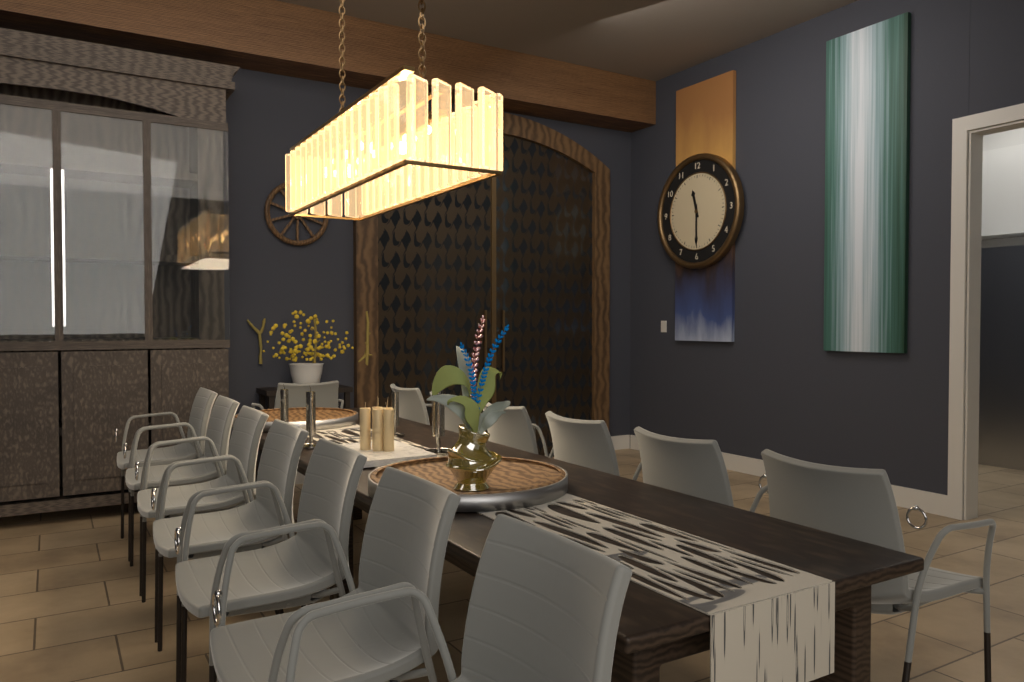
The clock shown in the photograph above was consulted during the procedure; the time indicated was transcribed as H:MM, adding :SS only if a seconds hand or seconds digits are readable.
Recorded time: 11:30
